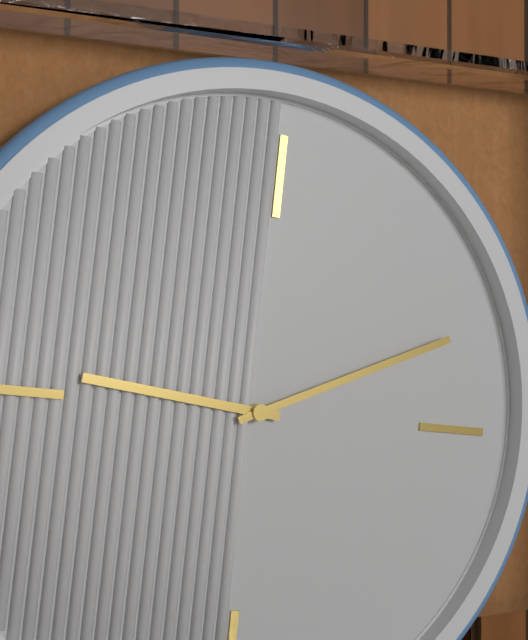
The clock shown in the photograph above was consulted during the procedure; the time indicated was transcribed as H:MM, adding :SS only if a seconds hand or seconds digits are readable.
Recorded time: 9:11
